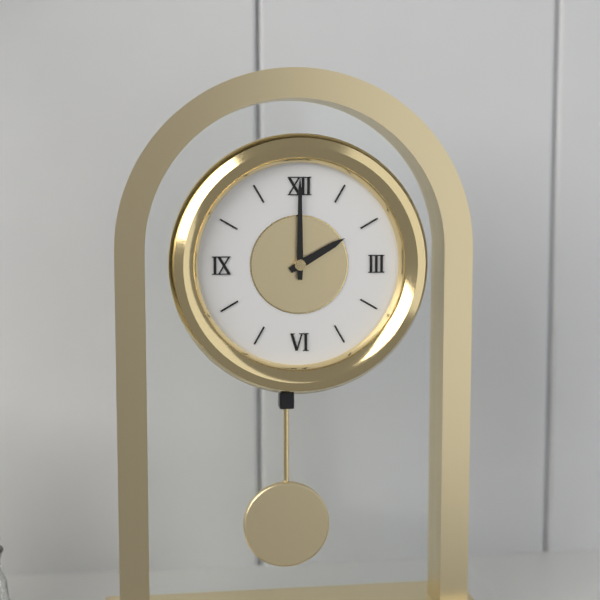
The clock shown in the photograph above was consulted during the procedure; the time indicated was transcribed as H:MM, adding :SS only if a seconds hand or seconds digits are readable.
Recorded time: 2:00
